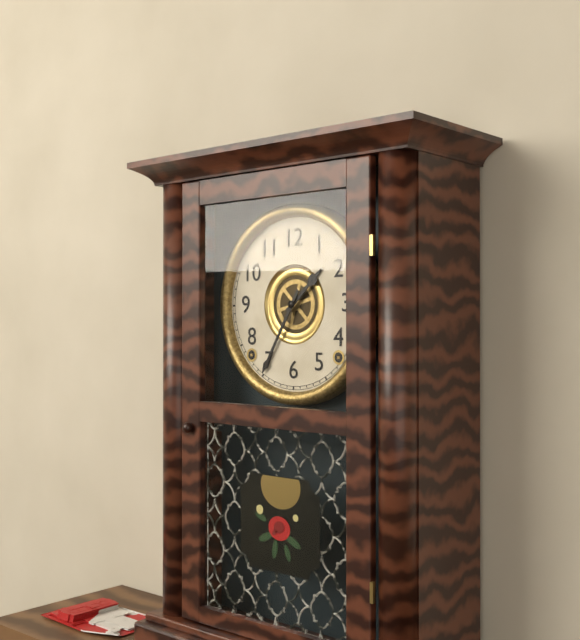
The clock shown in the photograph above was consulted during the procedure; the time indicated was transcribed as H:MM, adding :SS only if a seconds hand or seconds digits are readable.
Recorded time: 1:35
